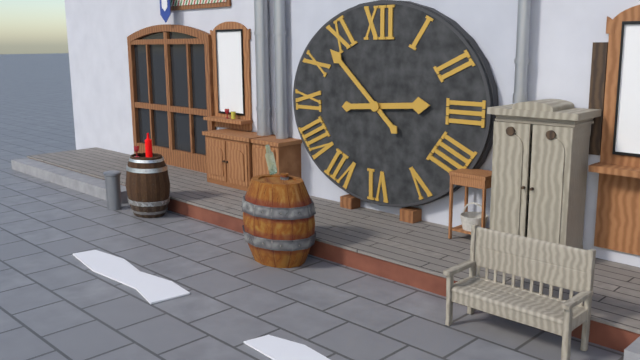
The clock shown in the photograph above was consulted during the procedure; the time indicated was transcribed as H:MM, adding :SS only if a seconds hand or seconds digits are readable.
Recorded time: 2:52
